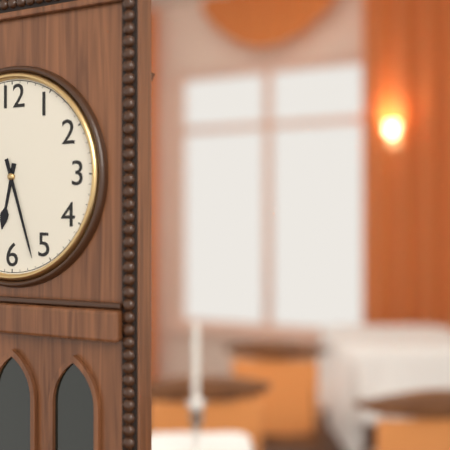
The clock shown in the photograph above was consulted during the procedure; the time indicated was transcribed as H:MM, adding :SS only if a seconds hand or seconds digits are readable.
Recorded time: 6:27
